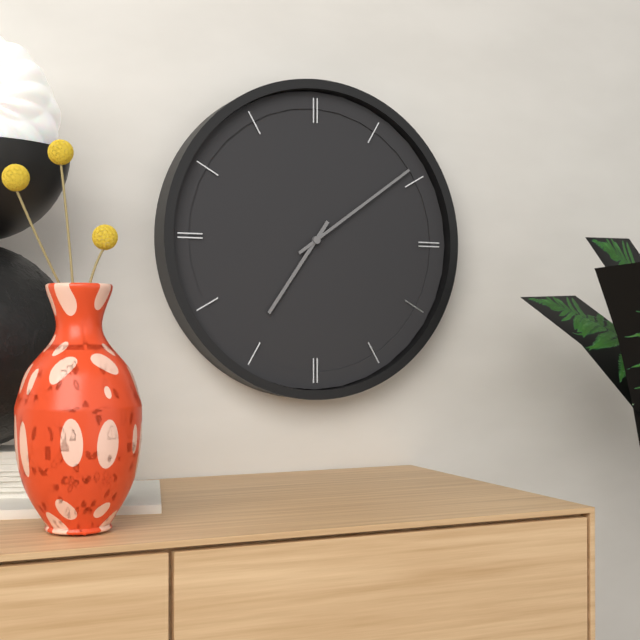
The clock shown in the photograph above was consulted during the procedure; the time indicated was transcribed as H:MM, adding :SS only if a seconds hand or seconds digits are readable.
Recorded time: 7:09
